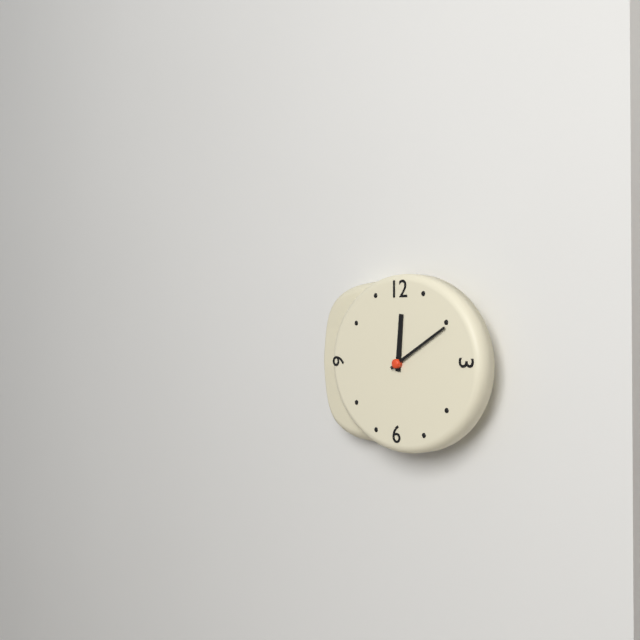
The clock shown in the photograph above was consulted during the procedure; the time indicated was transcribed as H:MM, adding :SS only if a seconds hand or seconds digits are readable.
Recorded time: 12:10
